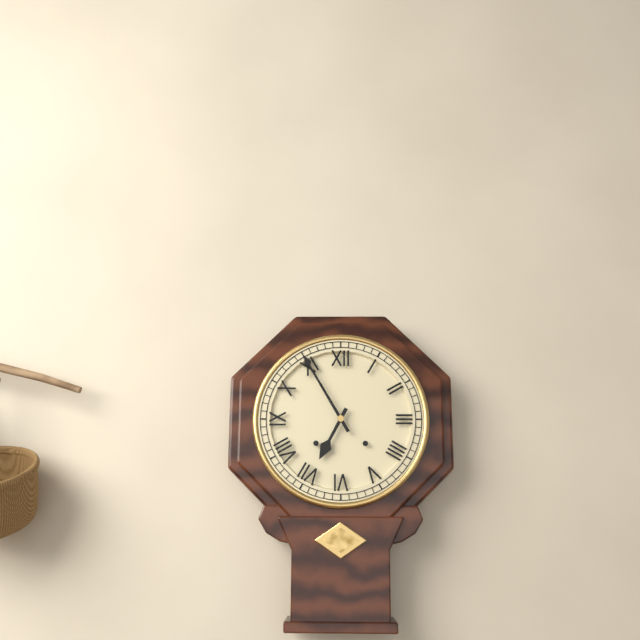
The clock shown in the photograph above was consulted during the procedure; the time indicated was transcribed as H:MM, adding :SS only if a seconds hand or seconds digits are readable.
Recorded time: 6:55
